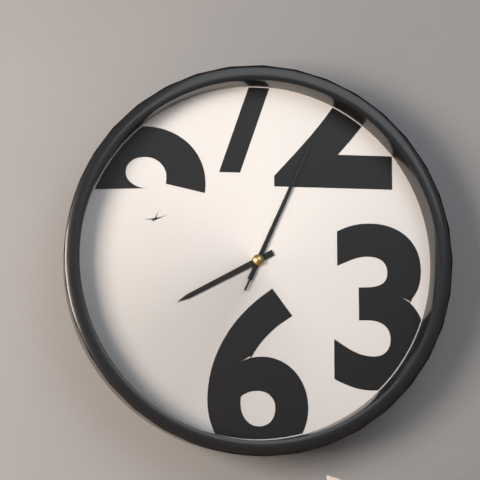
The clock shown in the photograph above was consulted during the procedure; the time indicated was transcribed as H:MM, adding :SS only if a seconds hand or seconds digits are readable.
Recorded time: 8:04:04
